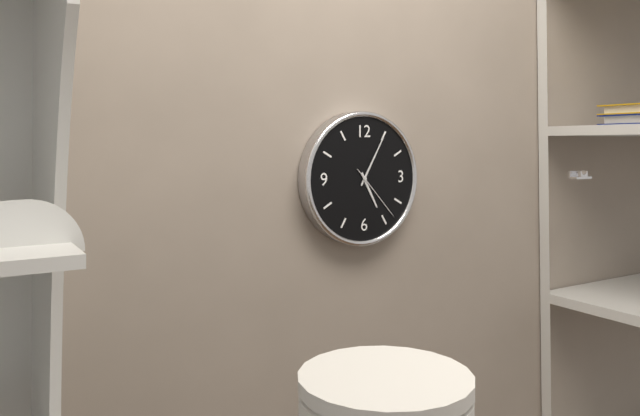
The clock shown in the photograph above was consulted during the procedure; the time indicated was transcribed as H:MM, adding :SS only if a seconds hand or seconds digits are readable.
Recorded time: 5:05:23
